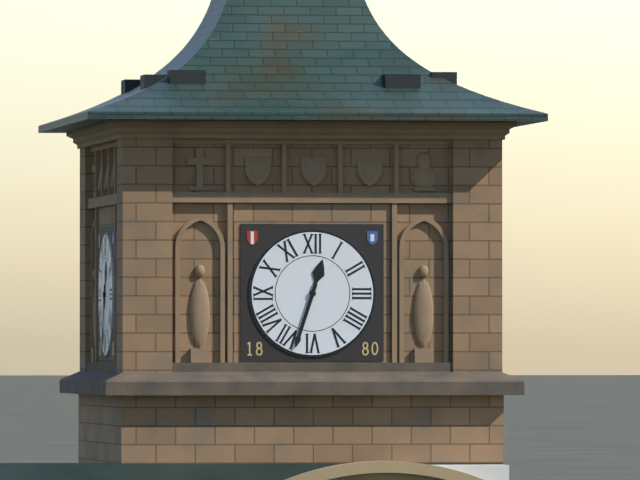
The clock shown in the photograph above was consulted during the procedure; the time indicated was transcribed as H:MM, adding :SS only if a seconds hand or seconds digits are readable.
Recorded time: 12:33
